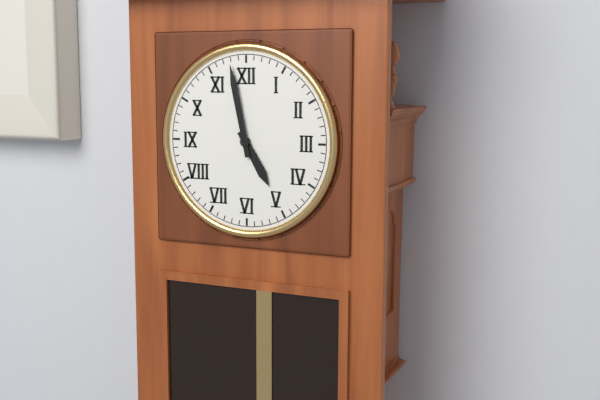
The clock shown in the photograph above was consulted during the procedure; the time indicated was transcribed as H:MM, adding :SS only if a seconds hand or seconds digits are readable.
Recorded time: 4:58
